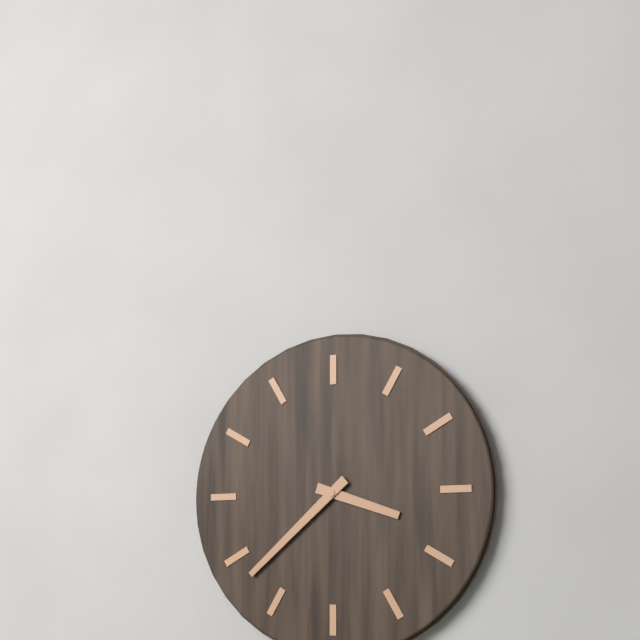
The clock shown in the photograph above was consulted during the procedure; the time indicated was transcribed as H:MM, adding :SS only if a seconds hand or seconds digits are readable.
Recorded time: 3:38
